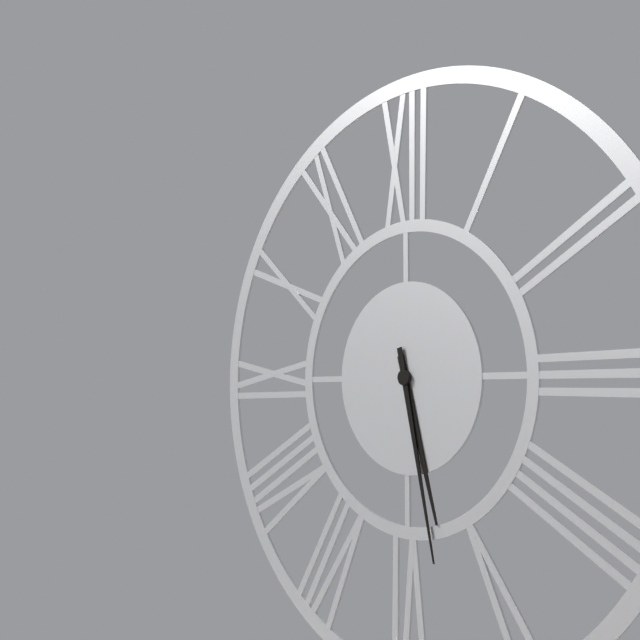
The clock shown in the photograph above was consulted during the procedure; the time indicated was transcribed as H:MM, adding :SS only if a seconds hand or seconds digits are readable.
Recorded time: 5:28
